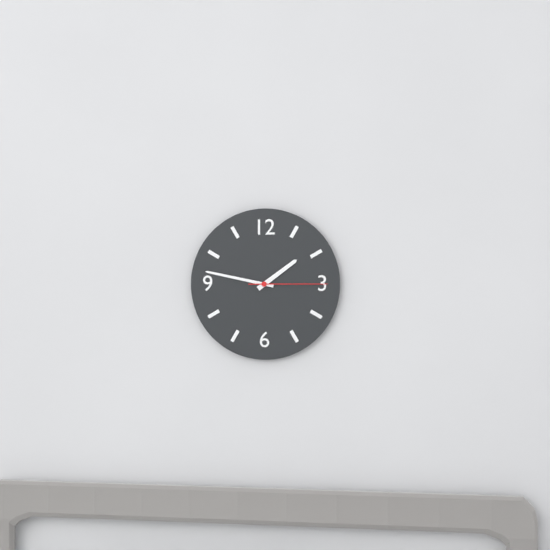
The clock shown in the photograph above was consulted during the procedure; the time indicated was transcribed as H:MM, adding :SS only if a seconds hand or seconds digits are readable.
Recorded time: 1:47:15
